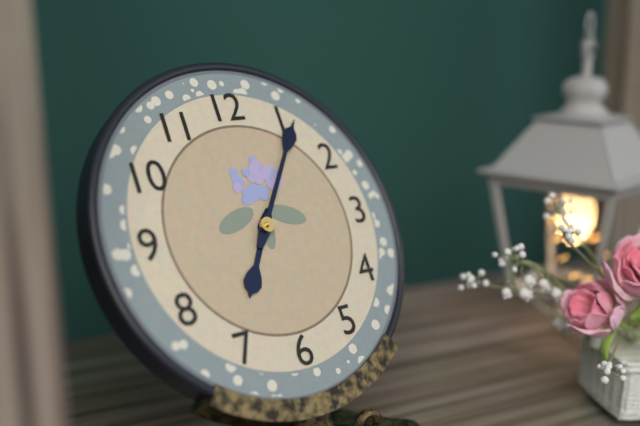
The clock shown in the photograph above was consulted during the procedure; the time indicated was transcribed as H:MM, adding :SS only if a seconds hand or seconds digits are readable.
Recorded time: 7:06
